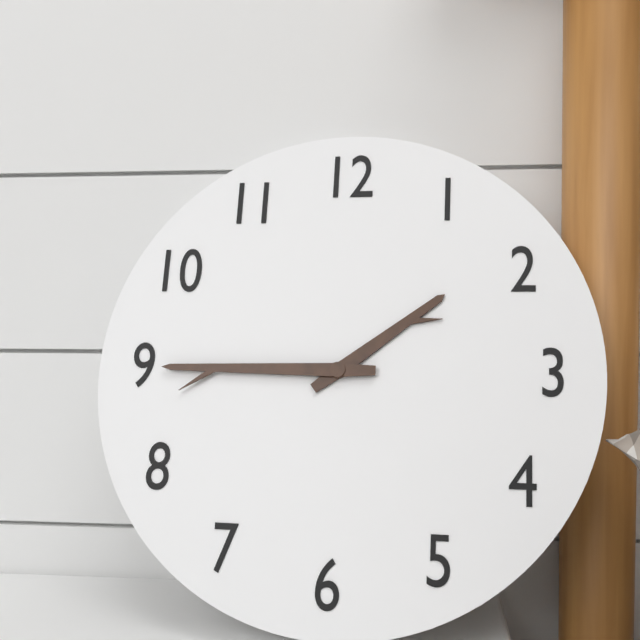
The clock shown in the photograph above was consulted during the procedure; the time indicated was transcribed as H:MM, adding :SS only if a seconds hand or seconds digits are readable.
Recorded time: 1:45
